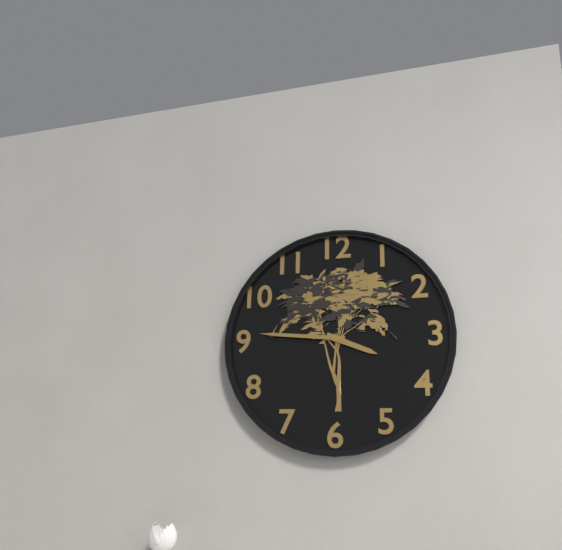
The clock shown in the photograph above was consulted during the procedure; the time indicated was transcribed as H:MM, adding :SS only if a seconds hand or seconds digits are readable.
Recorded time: 3:46
